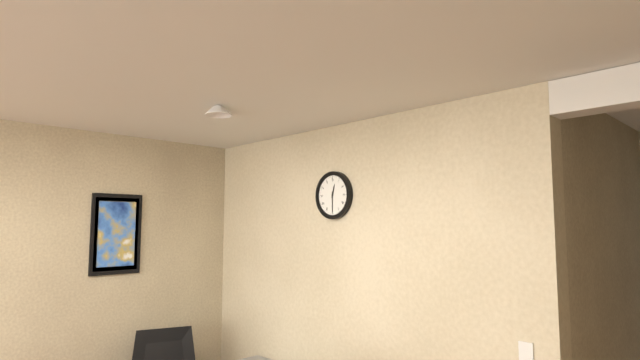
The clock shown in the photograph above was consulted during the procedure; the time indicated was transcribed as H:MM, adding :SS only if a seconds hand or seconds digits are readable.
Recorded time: 12:30
